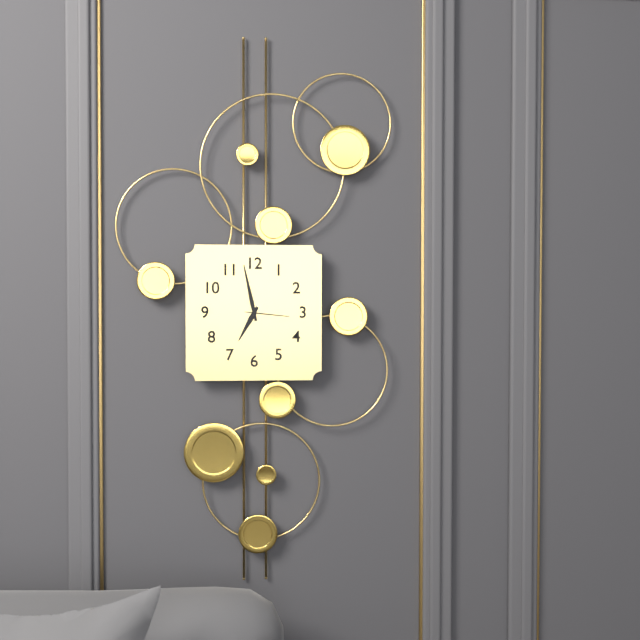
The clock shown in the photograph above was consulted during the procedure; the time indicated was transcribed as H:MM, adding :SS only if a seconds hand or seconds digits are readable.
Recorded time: 6:58
